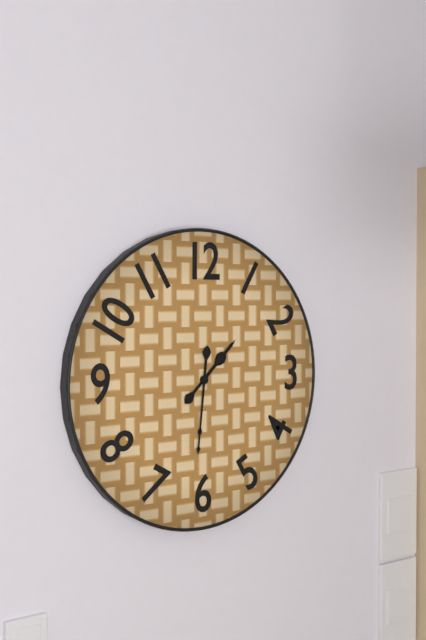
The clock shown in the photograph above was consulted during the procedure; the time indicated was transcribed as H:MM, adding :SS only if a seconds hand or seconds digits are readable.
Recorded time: 1:31
